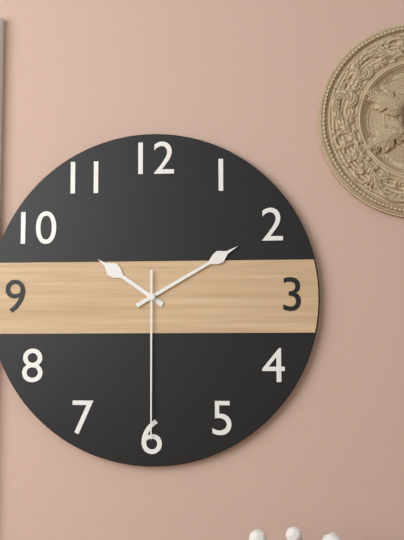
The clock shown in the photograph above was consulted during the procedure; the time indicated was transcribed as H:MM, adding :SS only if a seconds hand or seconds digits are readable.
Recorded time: 10:10:30
